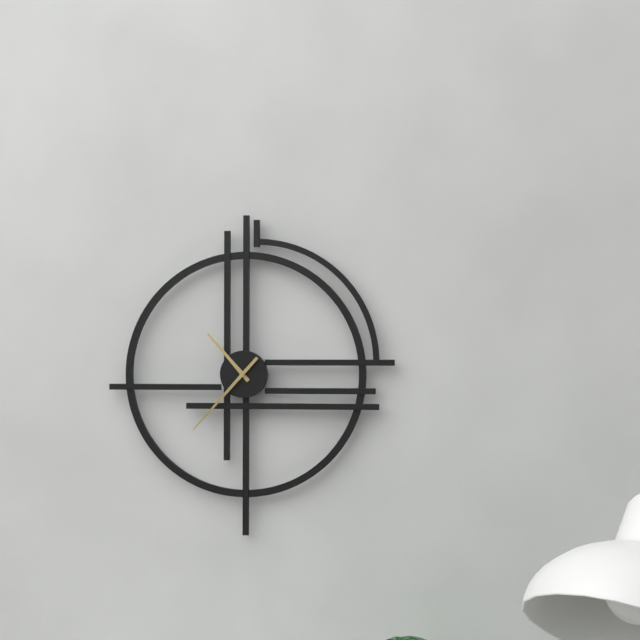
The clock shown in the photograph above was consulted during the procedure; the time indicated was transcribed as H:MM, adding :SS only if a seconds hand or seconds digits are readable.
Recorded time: 10:37
